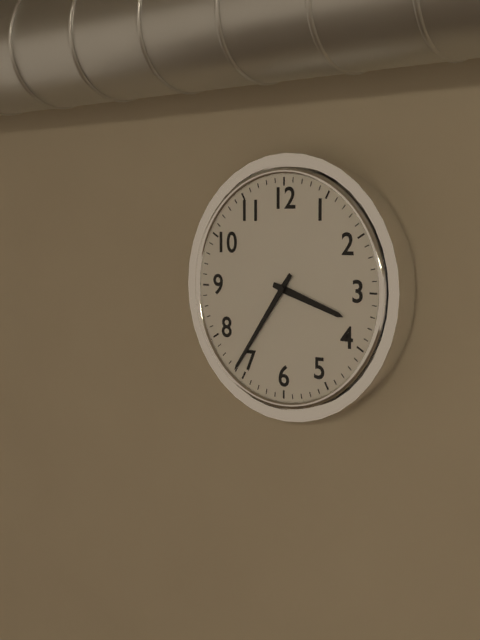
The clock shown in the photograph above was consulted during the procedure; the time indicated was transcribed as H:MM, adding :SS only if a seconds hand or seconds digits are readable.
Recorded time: 3:36
